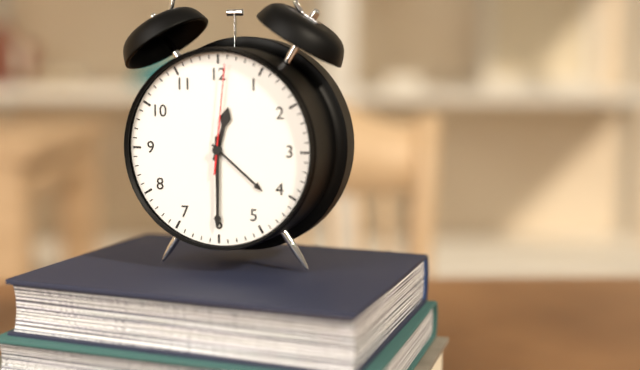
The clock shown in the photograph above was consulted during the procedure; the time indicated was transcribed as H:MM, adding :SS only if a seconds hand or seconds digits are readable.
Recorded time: 12:30:01
